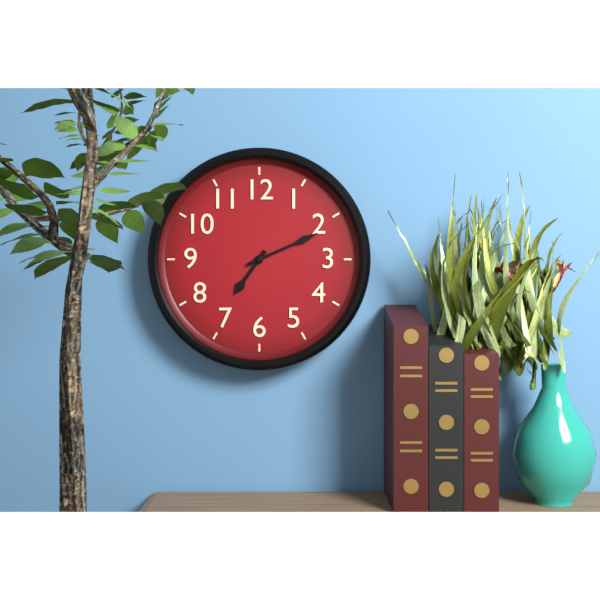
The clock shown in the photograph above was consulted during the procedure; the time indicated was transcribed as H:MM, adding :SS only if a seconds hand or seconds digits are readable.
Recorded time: 7:11
